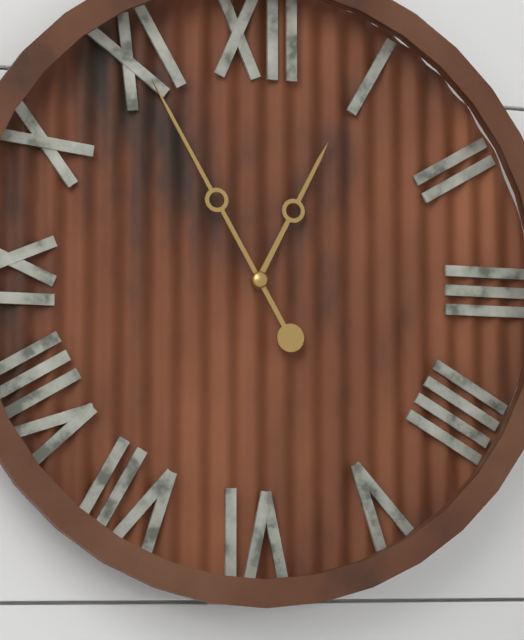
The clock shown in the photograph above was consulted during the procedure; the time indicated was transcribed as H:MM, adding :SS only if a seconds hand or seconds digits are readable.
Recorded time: 12:55
